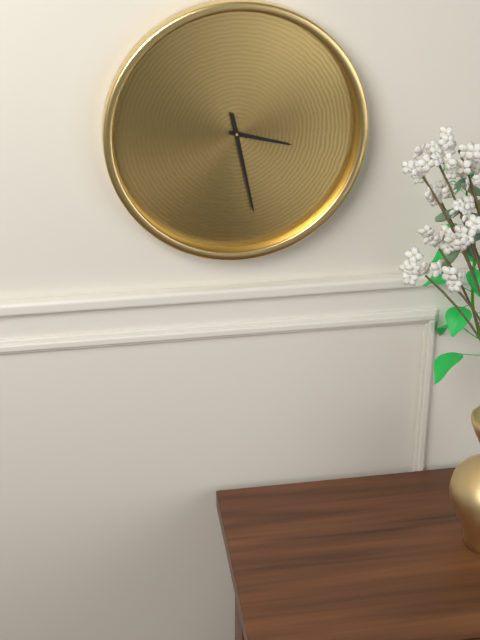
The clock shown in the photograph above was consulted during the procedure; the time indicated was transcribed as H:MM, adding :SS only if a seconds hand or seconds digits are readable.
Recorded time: 3:28
